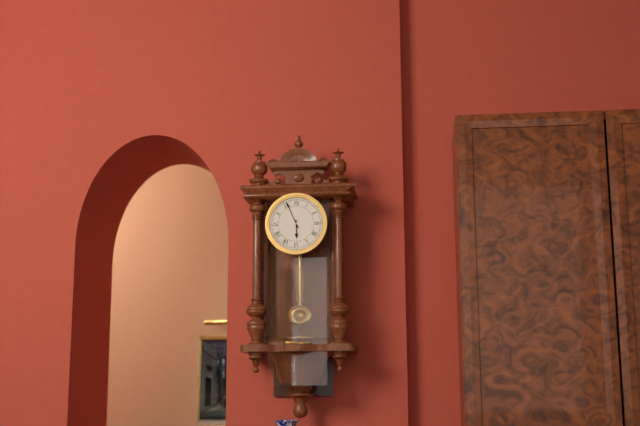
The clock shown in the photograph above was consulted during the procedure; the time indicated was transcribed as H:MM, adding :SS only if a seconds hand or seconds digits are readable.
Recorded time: 5:56
